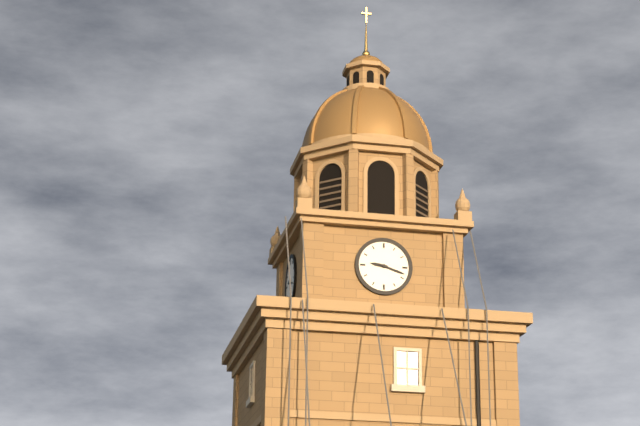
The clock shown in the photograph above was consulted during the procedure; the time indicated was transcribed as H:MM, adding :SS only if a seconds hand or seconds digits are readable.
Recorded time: 9:18
